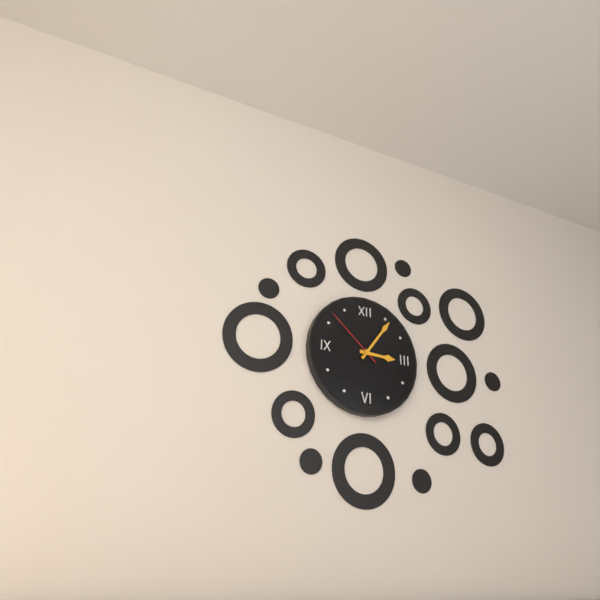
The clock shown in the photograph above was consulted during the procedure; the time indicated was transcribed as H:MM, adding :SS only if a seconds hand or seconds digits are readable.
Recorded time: 3:06:52
